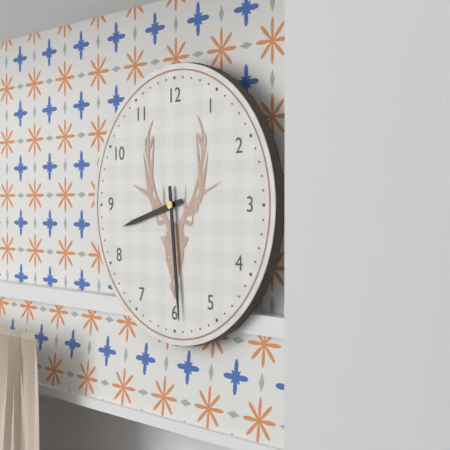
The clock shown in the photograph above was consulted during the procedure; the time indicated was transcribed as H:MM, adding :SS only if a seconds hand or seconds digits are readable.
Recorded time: 8:29
